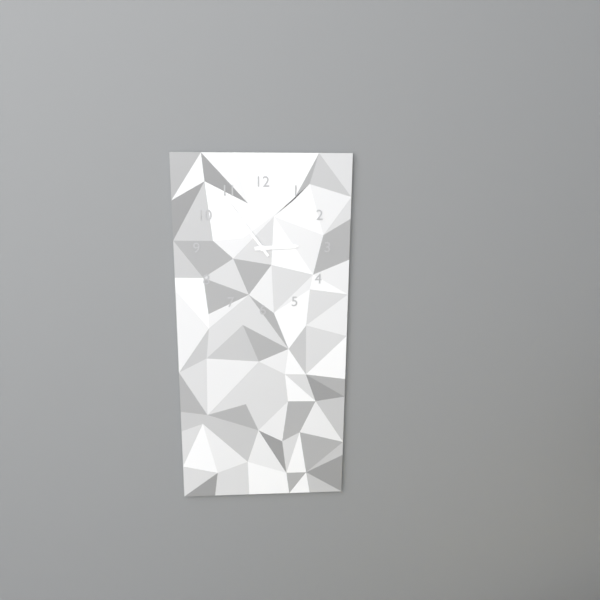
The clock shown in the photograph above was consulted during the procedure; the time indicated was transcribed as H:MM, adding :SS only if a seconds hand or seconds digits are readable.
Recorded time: 2:54
